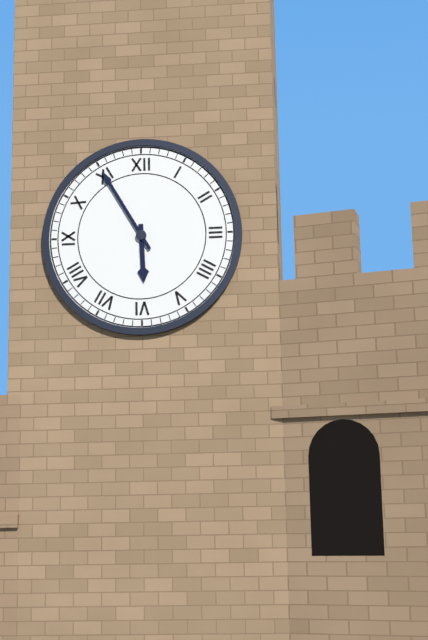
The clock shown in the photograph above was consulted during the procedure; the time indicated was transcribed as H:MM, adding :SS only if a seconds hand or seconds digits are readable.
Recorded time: 5:55
